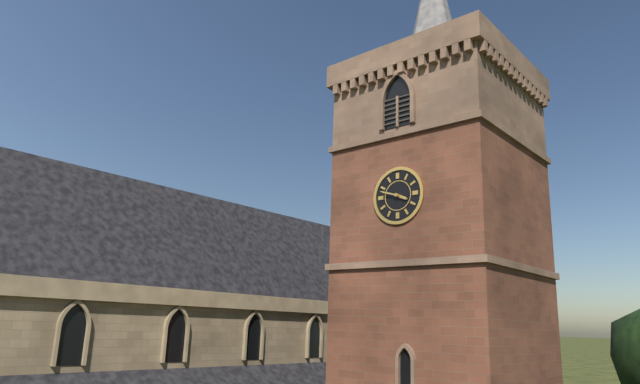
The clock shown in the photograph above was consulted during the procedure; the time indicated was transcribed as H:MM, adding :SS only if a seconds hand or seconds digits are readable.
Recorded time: 3:48
